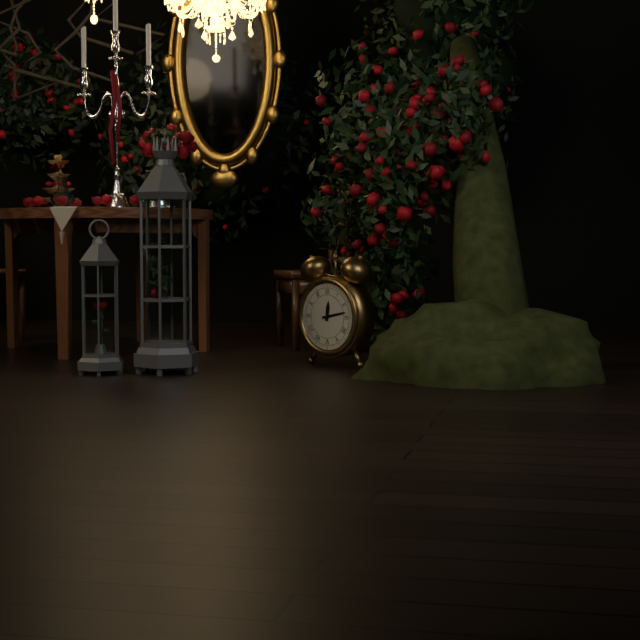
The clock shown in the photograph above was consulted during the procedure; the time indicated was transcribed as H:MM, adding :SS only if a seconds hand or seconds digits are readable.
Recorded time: 12:13
